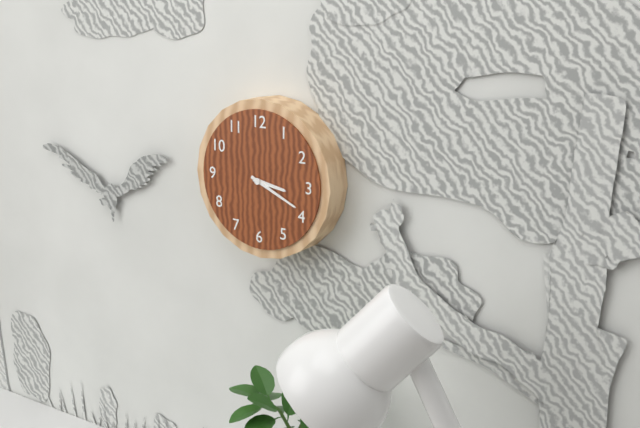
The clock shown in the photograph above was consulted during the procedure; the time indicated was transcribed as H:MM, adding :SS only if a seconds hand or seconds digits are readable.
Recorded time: 3:19
